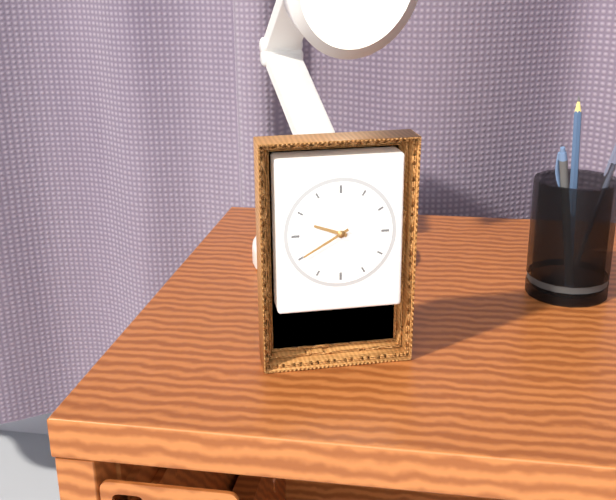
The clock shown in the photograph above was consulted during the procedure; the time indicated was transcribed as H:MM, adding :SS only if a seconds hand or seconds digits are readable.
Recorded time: 9:40
